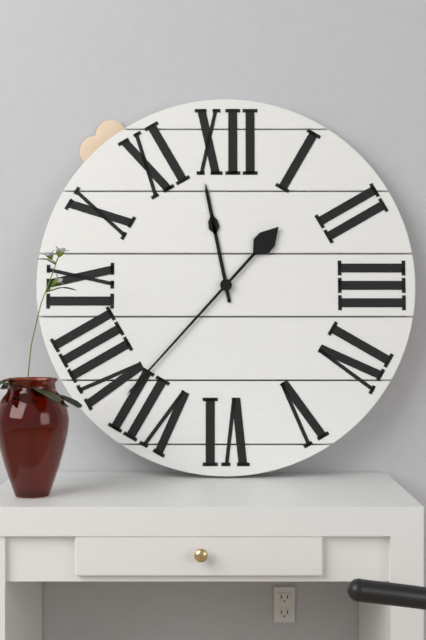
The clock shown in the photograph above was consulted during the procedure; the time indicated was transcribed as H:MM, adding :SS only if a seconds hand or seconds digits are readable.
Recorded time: 11:37
